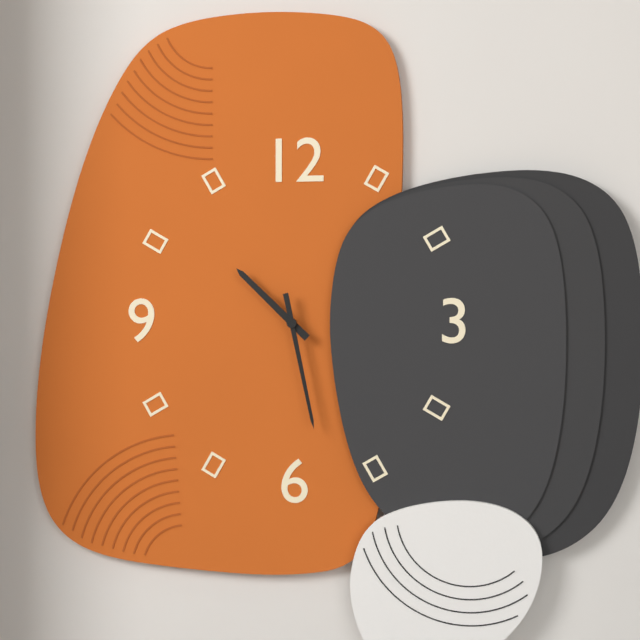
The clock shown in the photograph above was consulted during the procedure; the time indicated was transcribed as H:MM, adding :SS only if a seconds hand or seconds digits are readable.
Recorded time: 10:28
